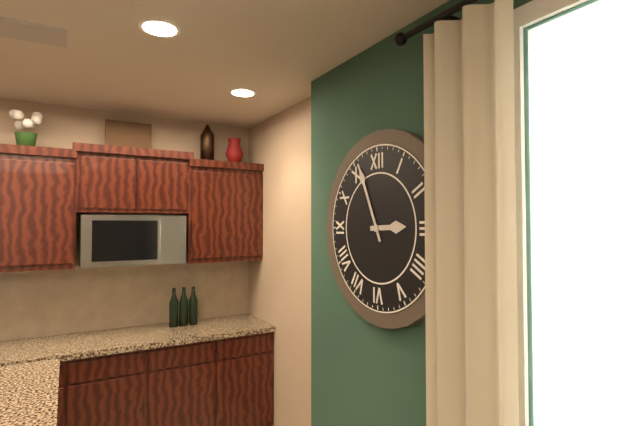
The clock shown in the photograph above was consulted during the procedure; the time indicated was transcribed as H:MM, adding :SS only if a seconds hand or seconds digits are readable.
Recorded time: 2:56
